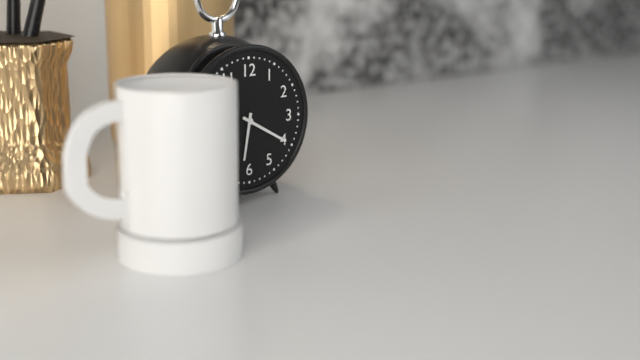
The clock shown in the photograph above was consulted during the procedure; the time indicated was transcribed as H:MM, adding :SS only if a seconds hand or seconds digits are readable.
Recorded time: 6:20
